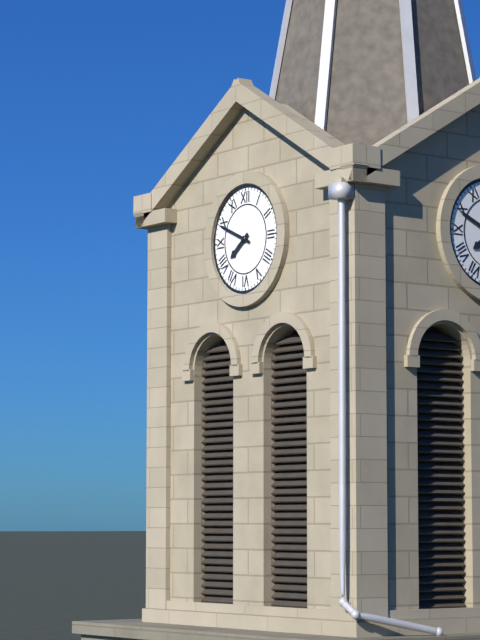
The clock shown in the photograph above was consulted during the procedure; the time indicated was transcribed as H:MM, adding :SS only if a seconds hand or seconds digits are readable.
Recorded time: 7:49
